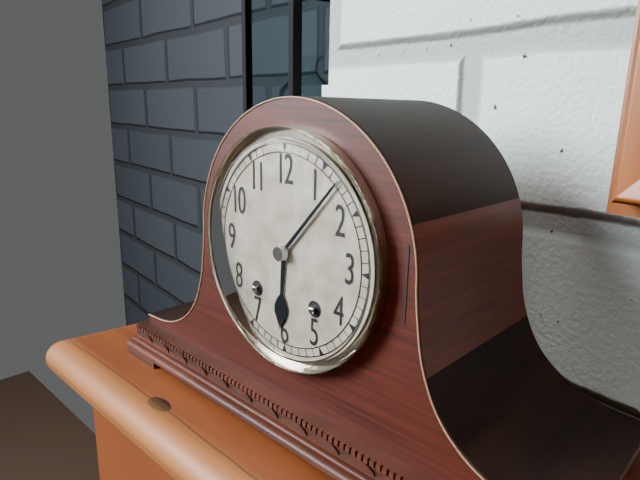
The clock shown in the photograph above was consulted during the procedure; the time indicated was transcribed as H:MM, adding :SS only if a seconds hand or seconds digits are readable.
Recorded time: 6:07
